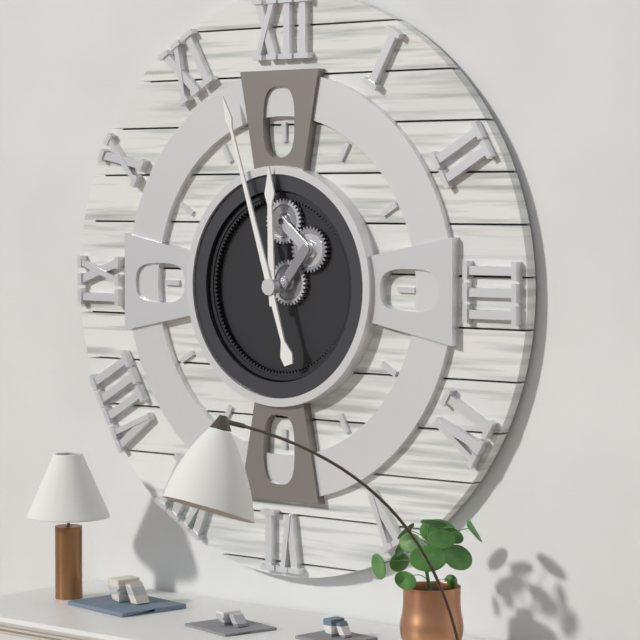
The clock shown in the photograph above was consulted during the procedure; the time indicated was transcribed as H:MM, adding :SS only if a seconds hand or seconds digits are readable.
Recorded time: 11:57
